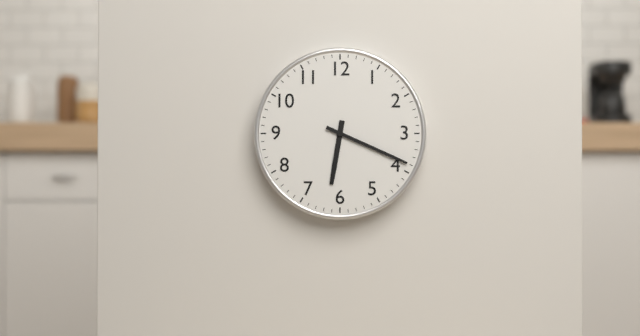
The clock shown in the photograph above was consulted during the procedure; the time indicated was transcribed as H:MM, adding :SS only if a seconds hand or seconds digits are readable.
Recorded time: 6:19
